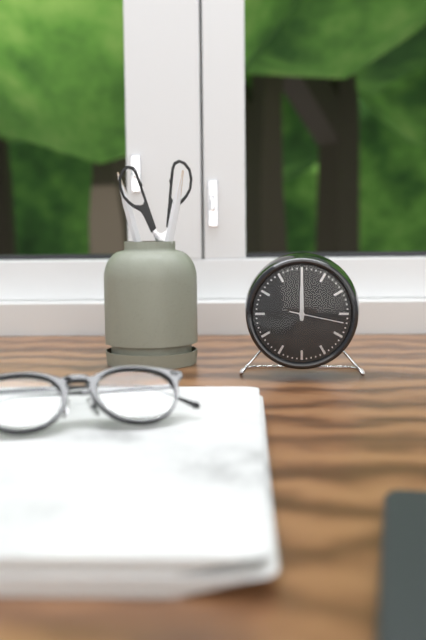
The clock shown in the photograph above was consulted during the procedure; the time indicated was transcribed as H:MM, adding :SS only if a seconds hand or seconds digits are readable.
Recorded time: 12:00:17
